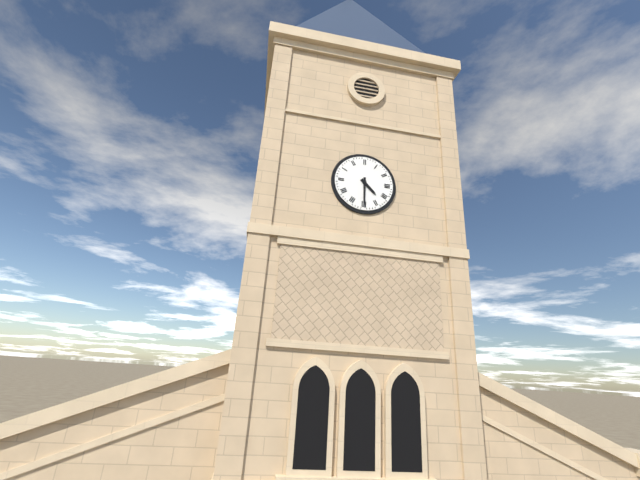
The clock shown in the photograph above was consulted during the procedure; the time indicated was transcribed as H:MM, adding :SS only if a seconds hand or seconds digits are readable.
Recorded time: 4:30
